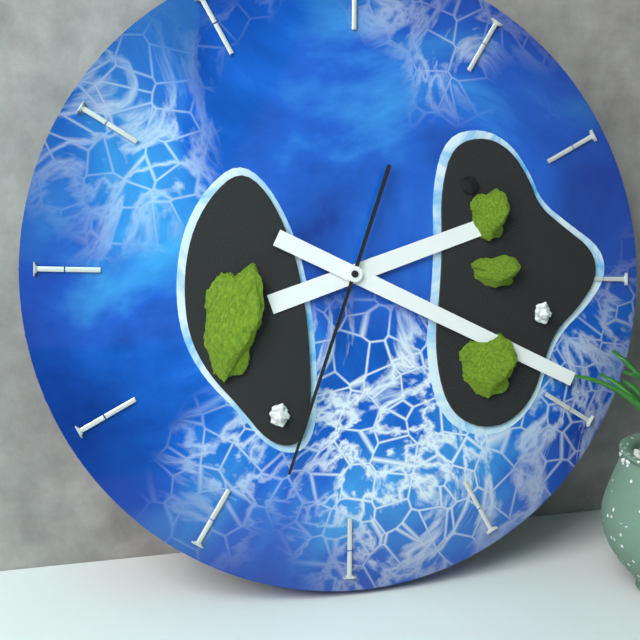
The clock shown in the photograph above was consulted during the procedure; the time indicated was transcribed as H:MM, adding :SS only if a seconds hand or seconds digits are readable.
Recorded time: 2:19:33
